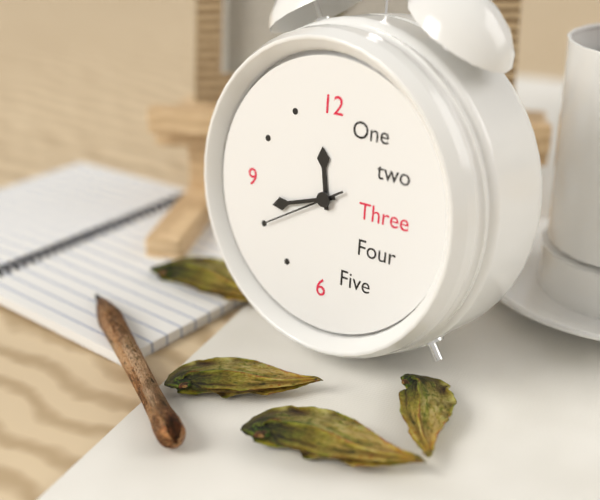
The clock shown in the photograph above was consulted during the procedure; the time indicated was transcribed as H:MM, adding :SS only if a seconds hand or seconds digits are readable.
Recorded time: 11:42:40
